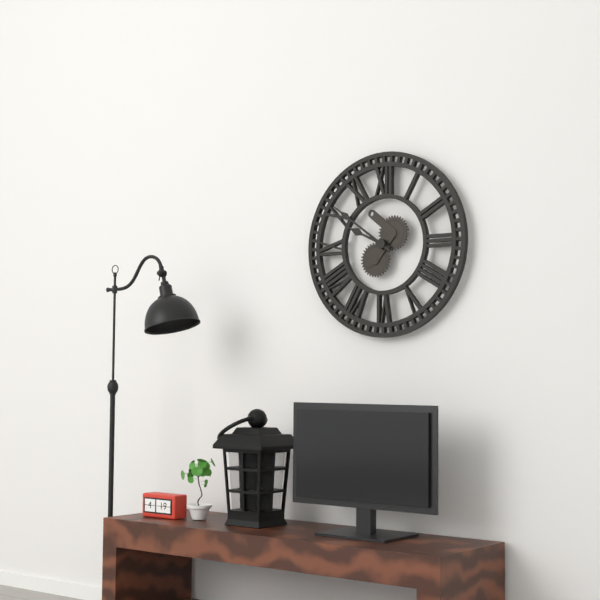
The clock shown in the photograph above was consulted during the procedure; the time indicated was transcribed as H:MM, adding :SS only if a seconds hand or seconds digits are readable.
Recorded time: 9:51
